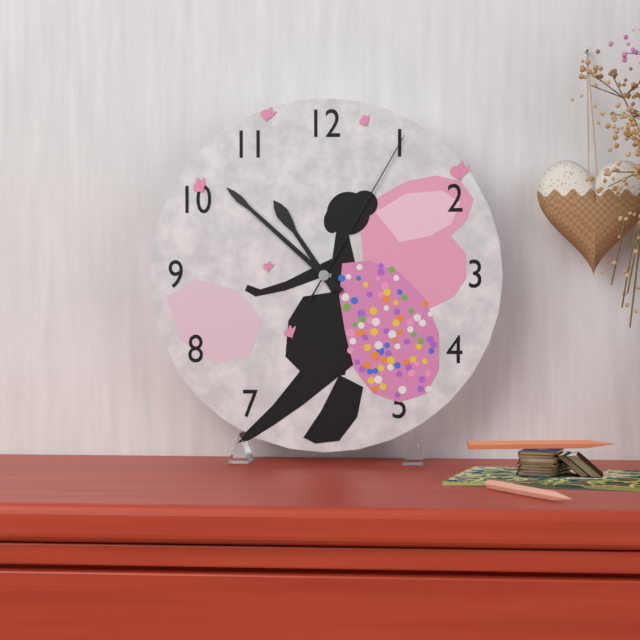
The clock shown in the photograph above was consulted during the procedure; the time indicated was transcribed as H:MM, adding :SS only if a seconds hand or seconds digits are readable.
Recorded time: 10:52:05
